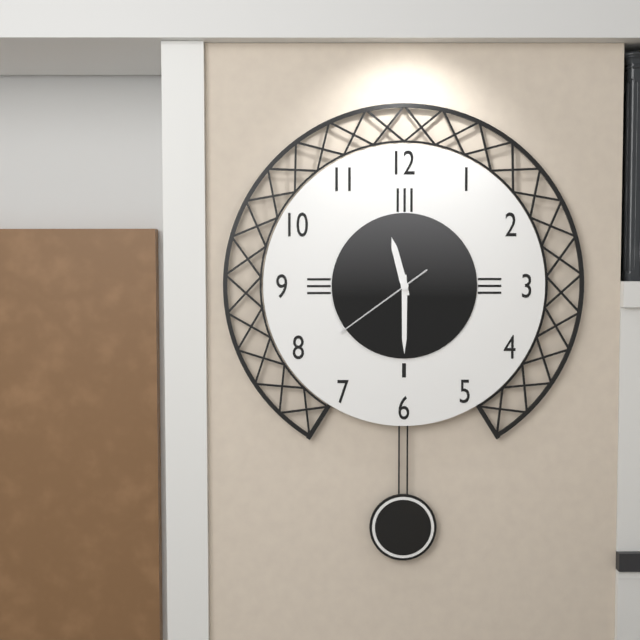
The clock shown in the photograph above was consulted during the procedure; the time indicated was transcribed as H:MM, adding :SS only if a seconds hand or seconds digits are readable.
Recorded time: 11:30:39
